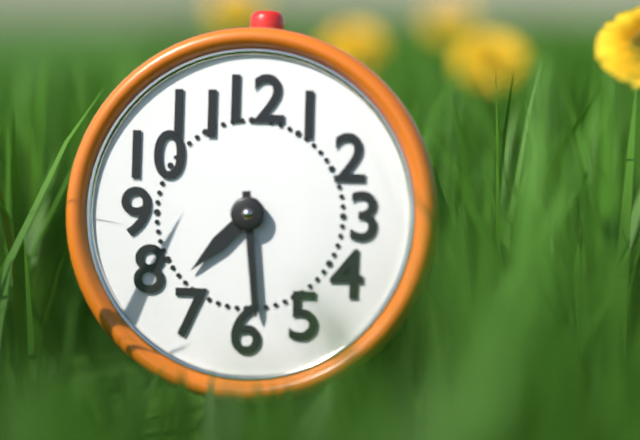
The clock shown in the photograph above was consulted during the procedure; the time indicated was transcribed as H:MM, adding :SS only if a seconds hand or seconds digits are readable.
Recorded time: 7:29
